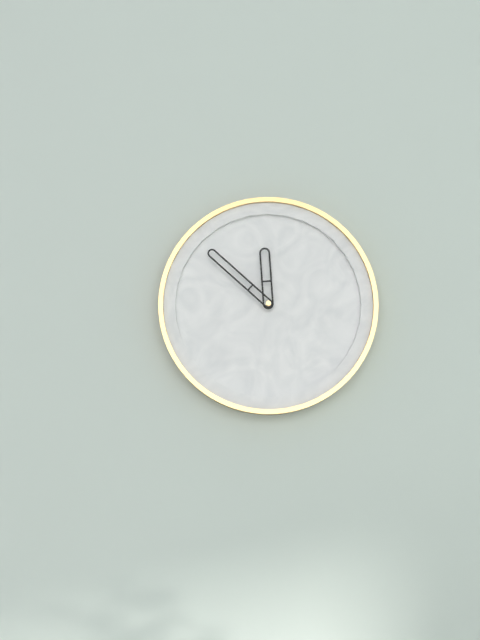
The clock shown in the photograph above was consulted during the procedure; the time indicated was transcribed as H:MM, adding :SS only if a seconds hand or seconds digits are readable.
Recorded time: 11:52
